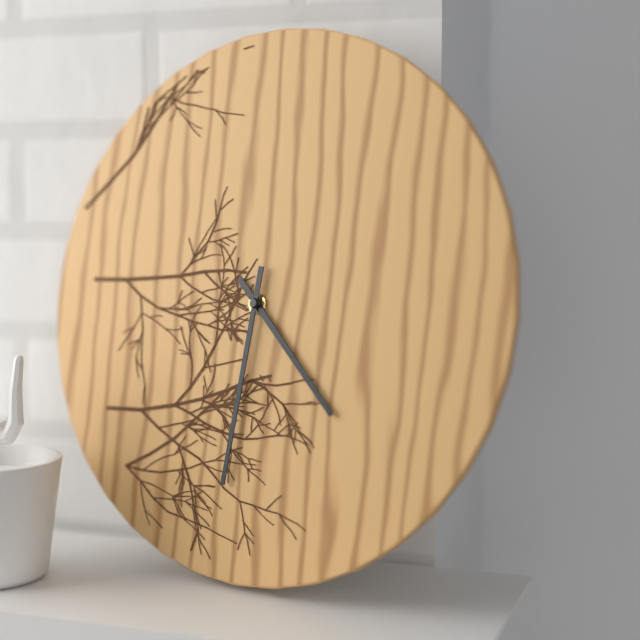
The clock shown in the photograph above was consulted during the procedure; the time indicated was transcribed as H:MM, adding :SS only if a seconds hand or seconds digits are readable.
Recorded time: 4:31
